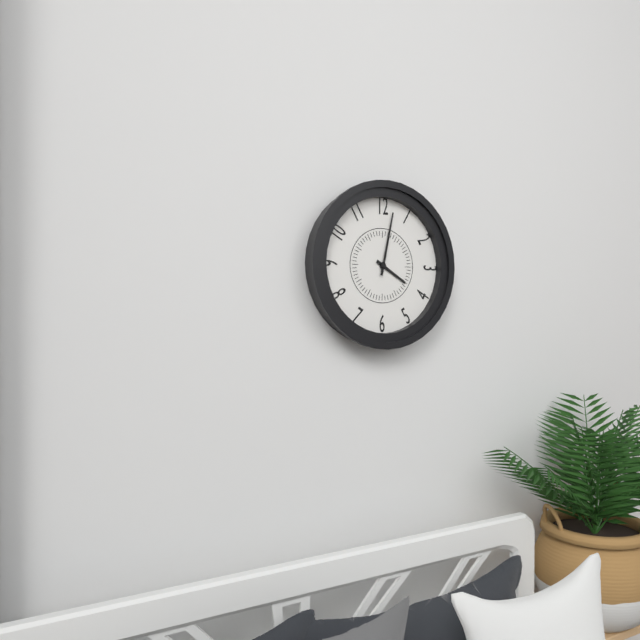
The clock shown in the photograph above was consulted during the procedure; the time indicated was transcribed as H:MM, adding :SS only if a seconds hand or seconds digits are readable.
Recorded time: 4:02
